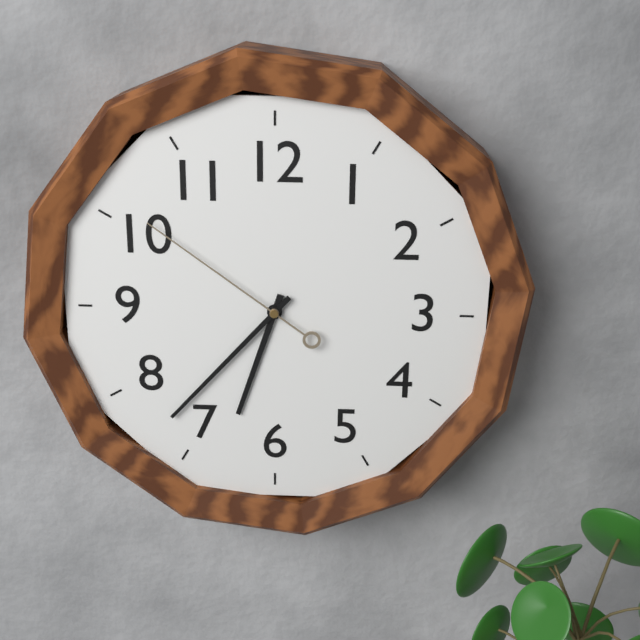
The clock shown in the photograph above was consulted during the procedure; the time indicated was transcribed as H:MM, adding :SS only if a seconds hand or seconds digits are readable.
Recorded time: 6:37:51
